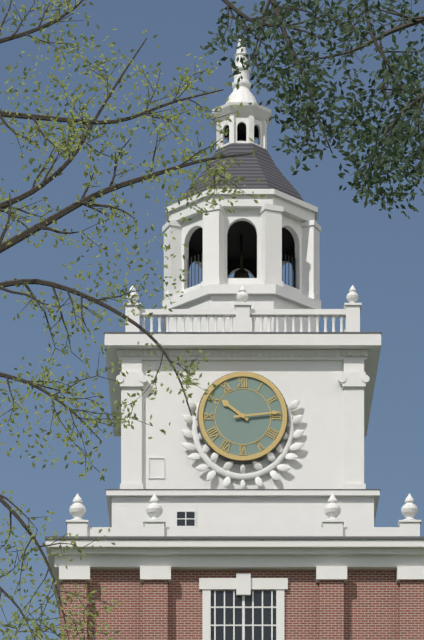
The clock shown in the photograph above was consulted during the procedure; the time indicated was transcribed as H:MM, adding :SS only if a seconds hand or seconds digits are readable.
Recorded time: 10:14
